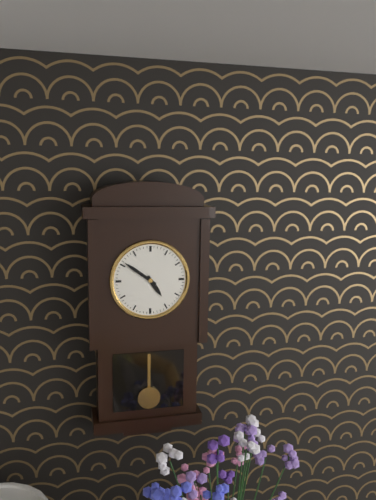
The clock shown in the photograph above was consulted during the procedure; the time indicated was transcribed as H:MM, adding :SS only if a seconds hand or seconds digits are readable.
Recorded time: 4:51
